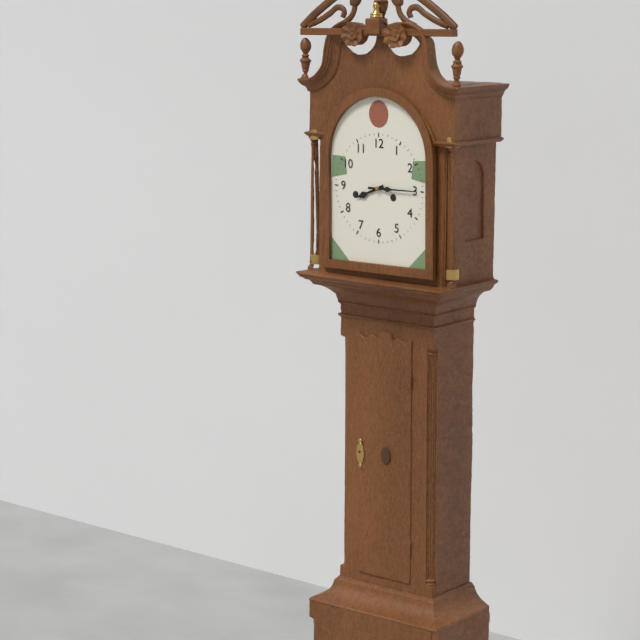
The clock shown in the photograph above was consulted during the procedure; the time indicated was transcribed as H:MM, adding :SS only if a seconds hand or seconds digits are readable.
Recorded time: 8:15
